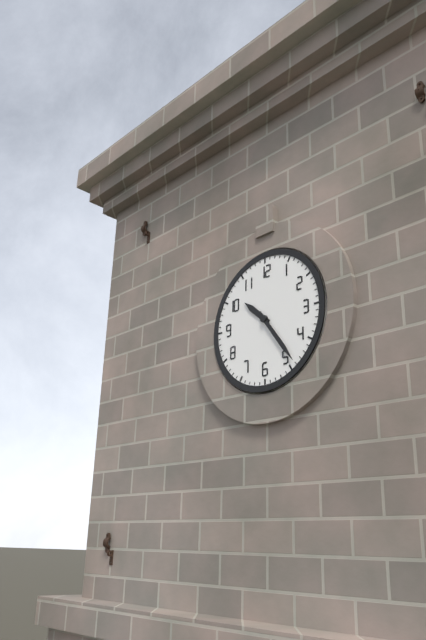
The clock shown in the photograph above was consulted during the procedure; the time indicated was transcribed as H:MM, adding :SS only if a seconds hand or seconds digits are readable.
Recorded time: 10:24
